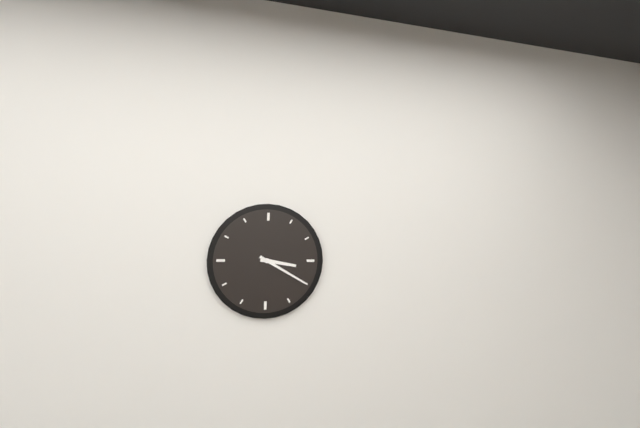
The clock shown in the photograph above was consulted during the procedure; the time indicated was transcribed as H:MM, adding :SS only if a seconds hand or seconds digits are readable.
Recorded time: 3:20
